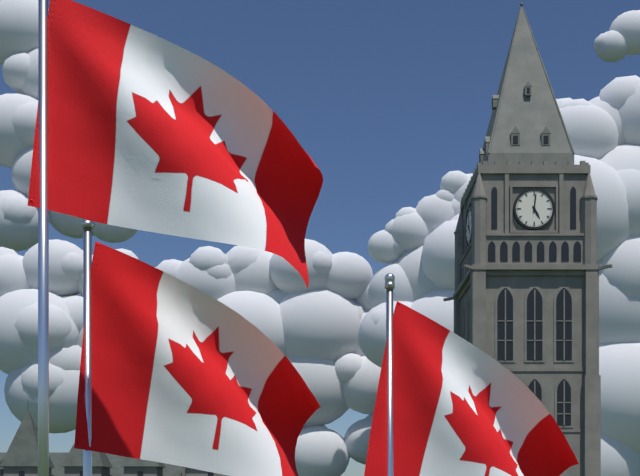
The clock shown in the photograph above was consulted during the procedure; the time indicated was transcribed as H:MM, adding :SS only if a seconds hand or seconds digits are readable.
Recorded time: 5:01
